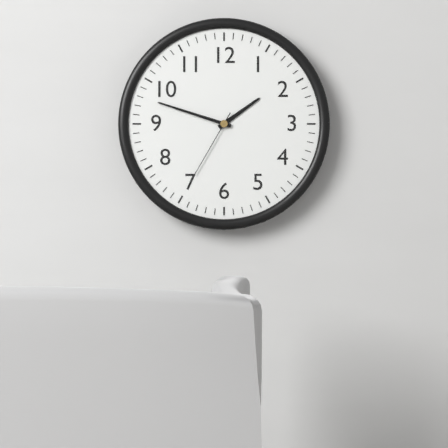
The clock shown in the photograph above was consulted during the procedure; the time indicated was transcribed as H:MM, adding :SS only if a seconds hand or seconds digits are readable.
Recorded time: 1:48:35
